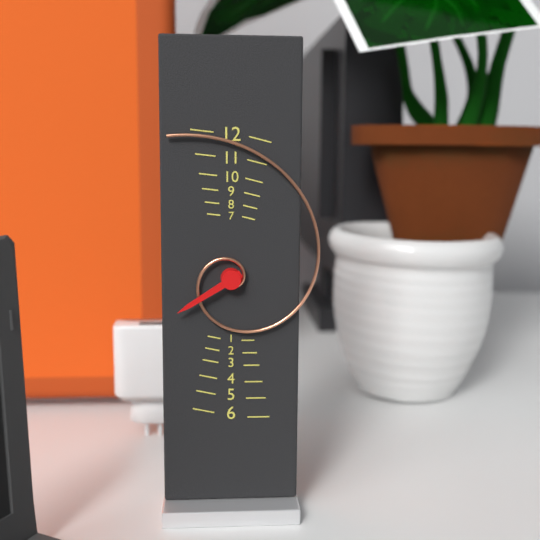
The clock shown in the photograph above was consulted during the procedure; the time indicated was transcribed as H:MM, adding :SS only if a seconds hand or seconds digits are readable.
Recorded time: 7:56
